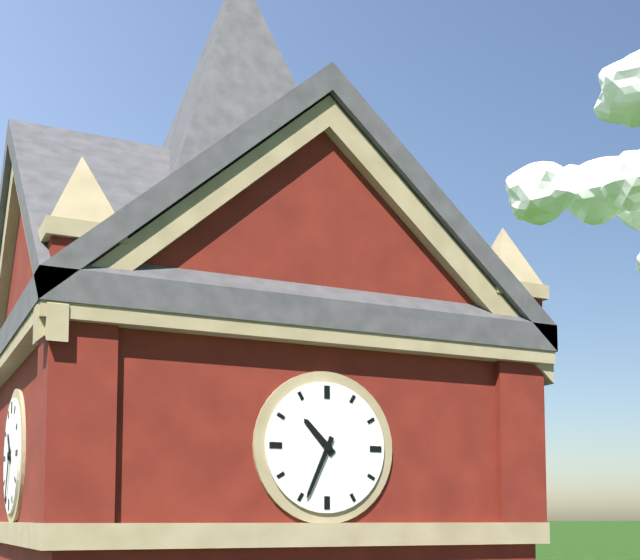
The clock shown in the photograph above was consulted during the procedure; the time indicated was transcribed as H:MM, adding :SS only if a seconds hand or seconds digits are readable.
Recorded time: 10:34
